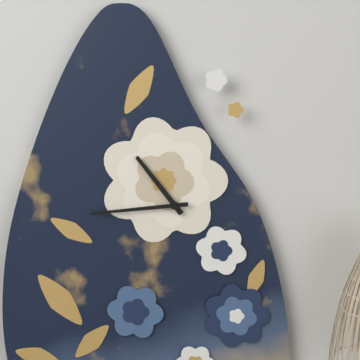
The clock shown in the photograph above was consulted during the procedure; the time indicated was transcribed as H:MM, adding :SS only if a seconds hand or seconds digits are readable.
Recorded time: 10:44
